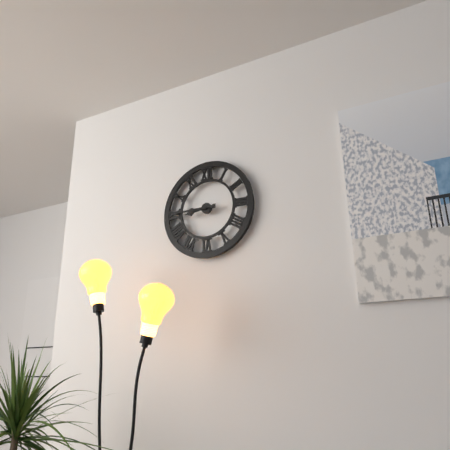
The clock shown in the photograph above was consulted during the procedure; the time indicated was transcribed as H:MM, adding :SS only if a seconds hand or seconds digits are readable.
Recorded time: 8:45
